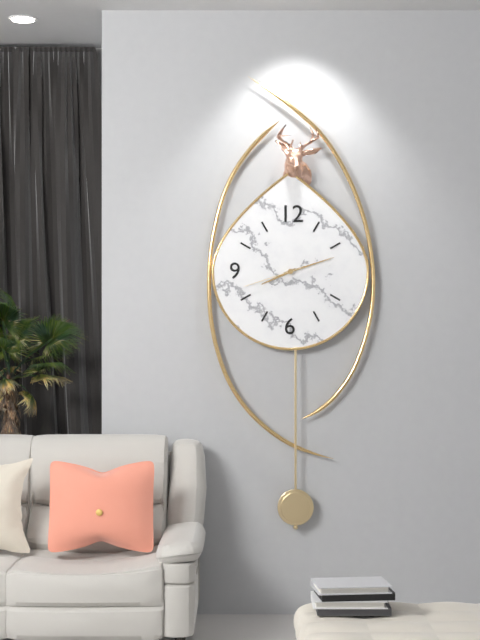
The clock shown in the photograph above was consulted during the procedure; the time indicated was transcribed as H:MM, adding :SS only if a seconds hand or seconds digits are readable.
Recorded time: 8:12:42
